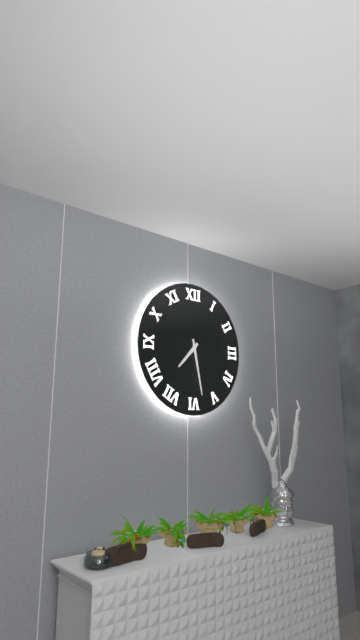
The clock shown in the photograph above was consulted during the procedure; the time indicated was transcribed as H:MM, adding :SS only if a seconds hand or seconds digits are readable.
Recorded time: 7:28
